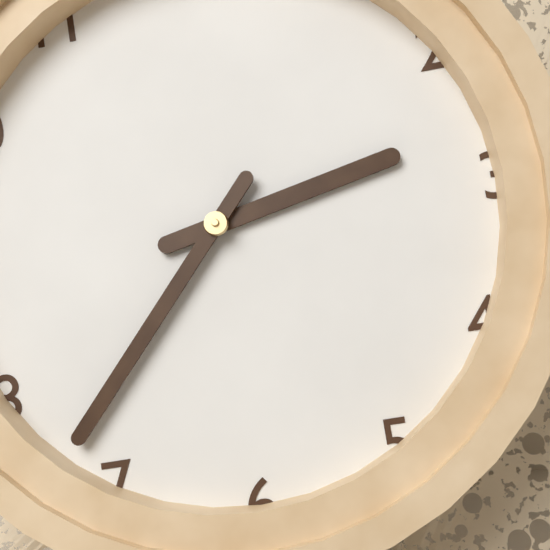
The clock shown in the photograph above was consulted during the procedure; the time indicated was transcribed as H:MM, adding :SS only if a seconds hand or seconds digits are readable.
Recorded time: 2:37
